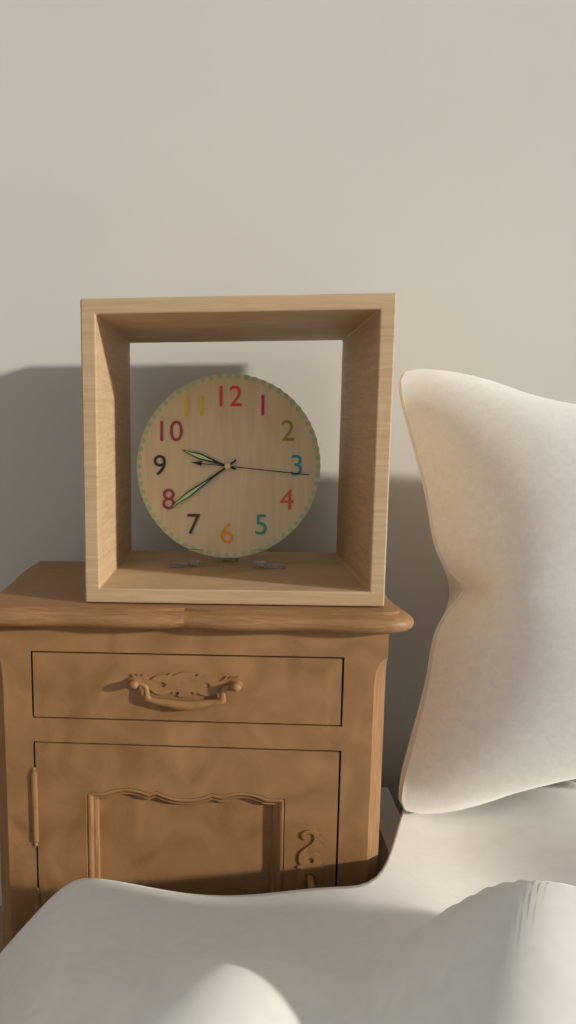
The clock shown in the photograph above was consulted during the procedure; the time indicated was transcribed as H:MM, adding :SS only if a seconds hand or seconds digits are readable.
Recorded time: 9:39:16
